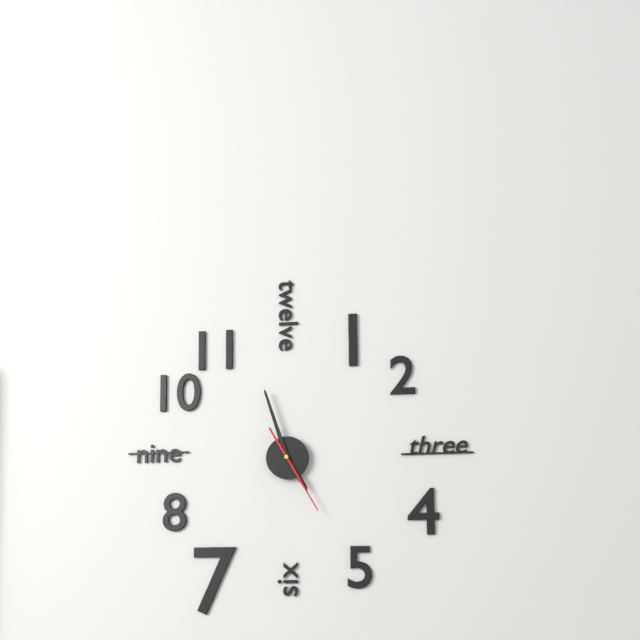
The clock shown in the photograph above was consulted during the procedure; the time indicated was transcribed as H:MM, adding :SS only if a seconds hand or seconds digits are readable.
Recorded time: 4:57:25
